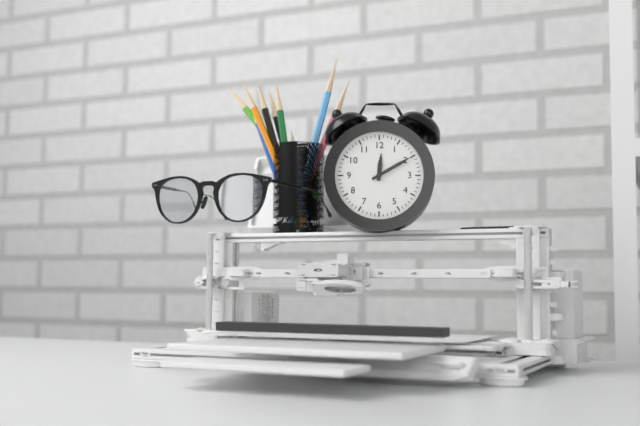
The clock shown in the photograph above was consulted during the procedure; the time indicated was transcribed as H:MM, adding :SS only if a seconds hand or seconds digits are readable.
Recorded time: 12:10
